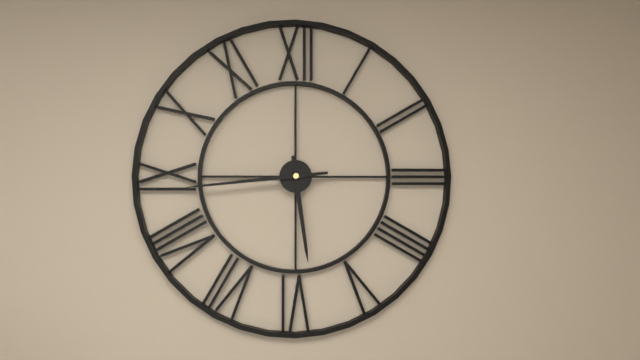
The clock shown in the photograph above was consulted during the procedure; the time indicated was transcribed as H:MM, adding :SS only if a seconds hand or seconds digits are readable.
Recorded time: 5:44
